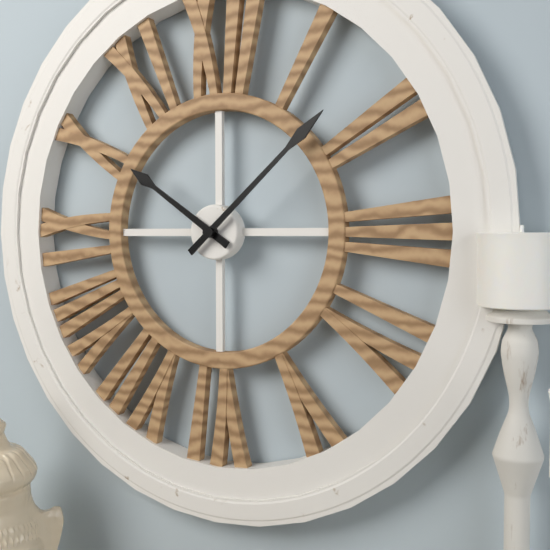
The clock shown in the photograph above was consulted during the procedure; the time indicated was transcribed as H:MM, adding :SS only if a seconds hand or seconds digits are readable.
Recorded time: 10:08
